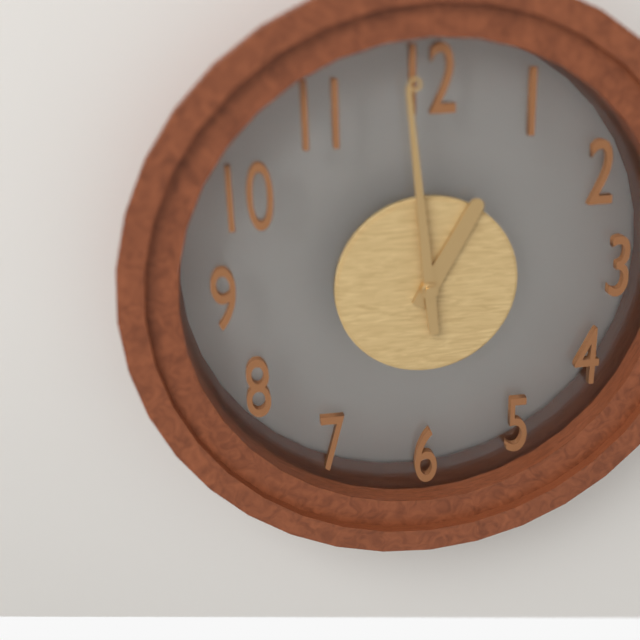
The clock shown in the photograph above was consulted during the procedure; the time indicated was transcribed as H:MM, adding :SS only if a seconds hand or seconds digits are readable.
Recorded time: 12:59
